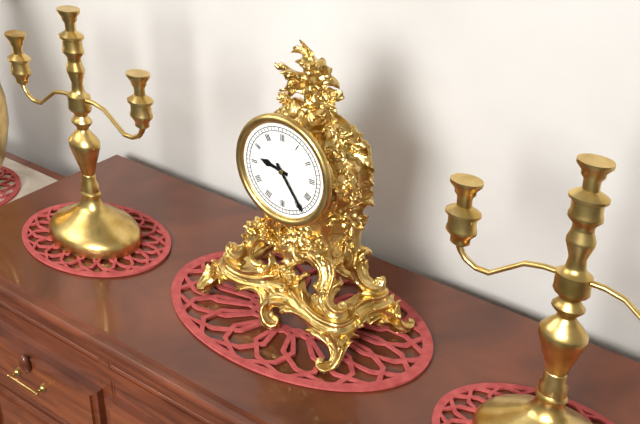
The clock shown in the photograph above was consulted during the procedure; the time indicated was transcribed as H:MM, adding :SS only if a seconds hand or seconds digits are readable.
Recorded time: 9:24
